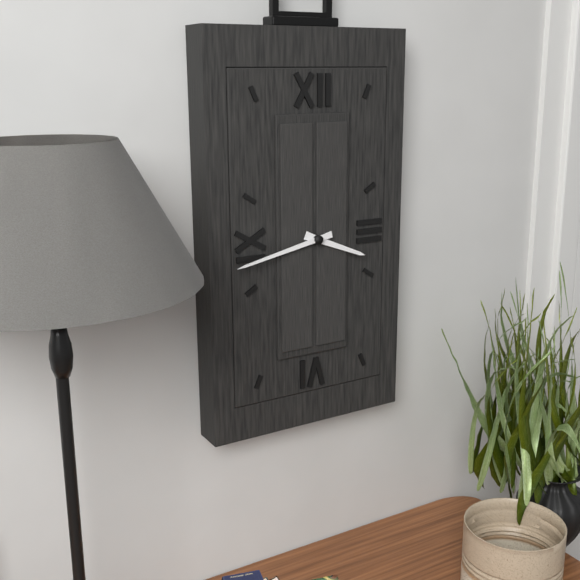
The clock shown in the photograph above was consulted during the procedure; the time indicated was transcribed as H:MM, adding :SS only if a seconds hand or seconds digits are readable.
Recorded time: 3:43
